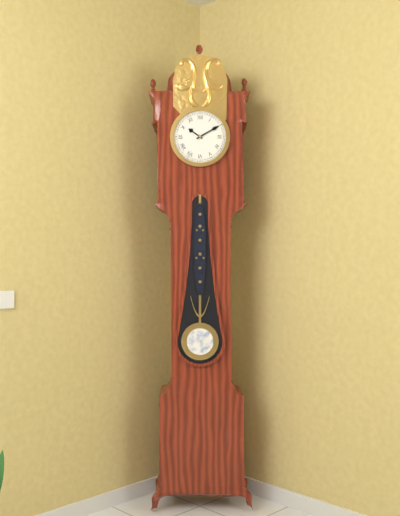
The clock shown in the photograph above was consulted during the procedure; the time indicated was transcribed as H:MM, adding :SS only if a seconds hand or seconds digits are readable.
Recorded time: 10:10
